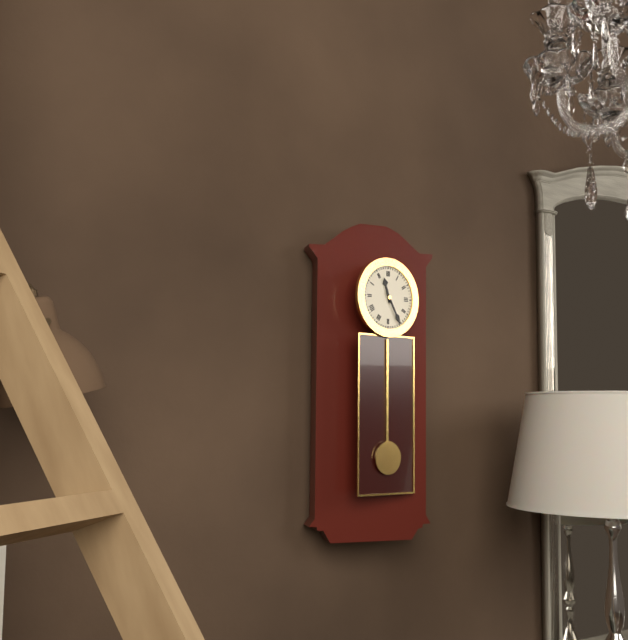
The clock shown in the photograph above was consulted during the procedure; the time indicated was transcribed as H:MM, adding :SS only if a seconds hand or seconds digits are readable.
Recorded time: 11:25
